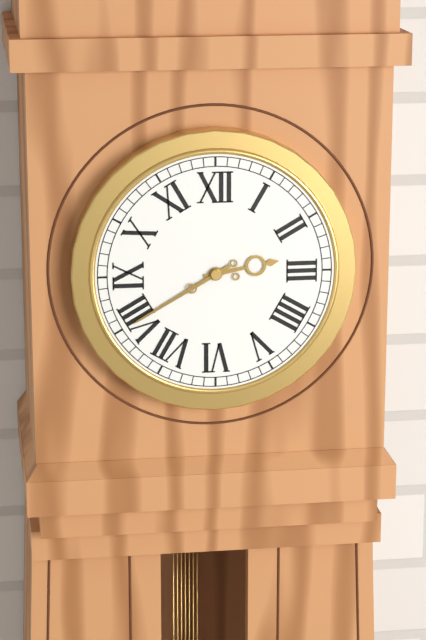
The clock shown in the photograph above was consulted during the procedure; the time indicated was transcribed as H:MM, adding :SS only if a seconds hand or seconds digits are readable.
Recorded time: 2:40
